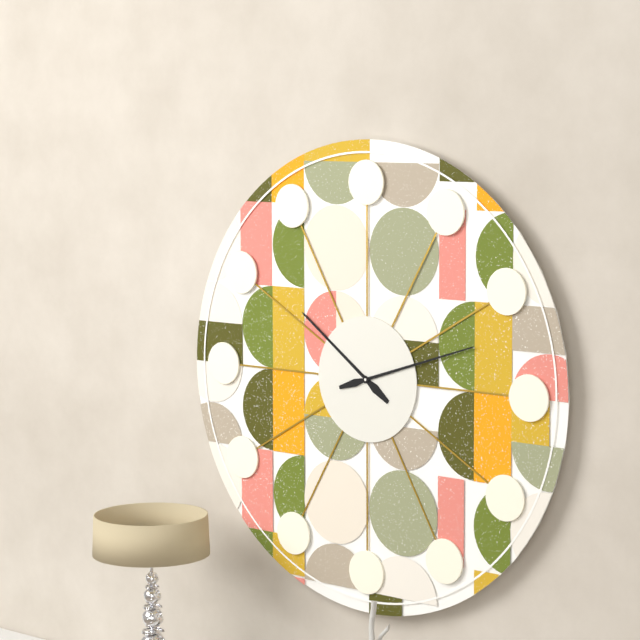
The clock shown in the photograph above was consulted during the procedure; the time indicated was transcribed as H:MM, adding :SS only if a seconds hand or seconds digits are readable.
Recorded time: 10:12
